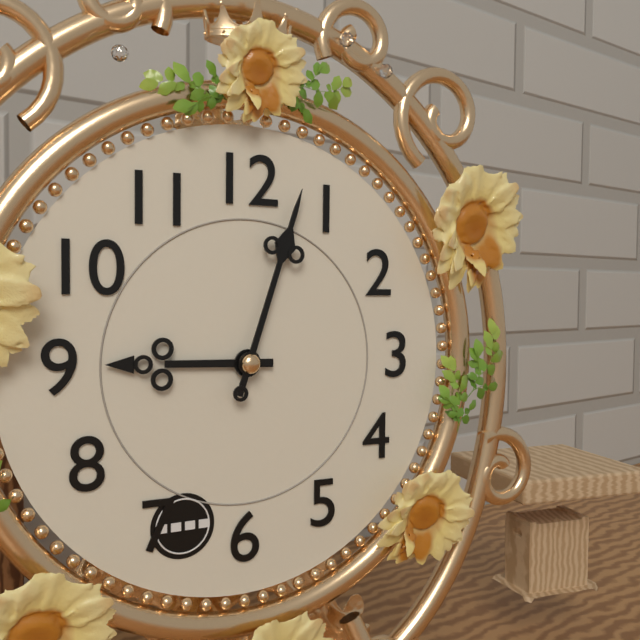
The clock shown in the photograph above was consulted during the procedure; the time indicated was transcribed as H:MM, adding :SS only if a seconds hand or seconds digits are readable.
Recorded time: 9:03
